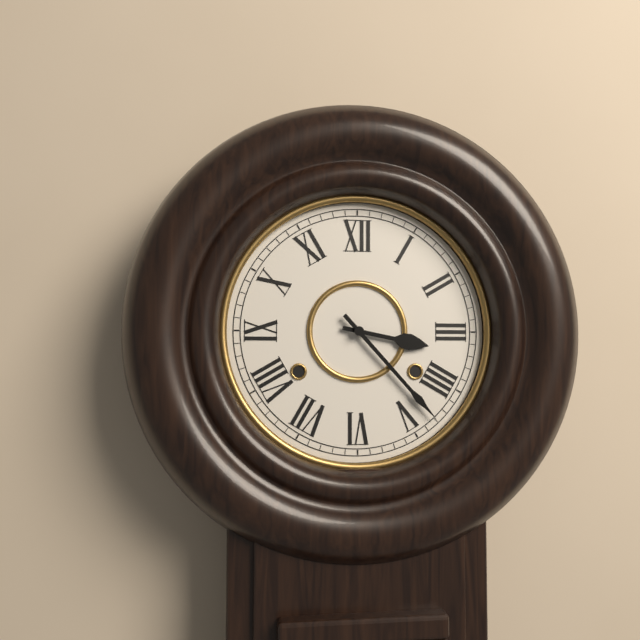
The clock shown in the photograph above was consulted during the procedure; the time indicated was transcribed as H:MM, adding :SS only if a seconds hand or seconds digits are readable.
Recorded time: 3:23
